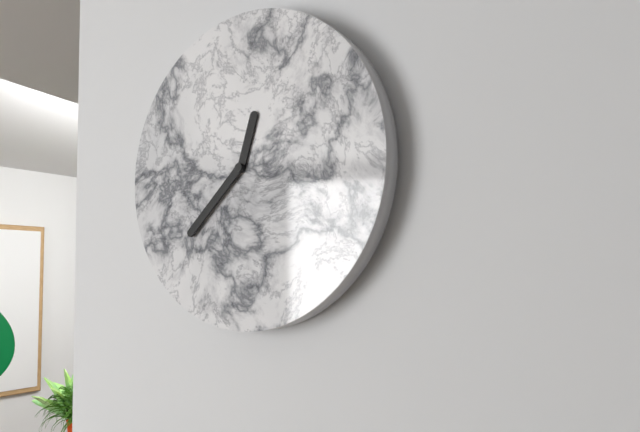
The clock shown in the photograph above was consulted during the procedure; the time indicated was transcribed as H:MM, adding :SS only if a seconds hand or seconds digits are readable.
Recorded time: 12:38
